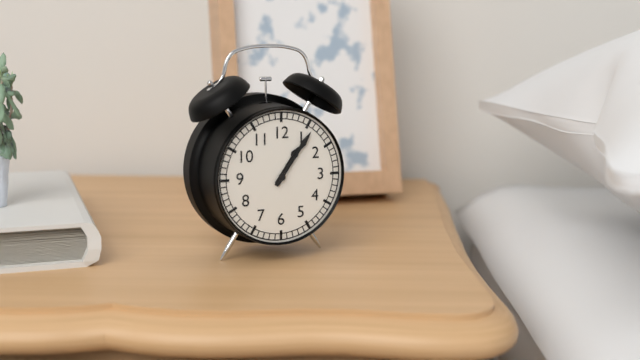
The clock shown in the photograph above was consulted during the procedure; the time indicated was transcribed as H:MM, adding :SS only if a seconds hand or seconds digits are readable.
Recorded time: 1:06
